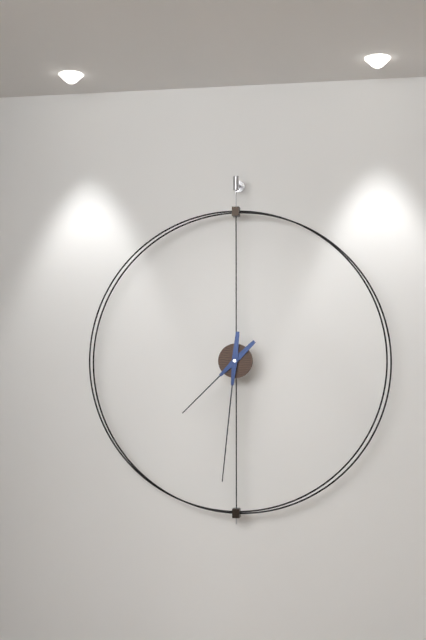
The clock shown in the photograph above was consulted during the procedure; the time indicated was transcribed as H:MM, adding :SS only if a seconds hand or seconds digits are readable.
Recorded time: 7:31
